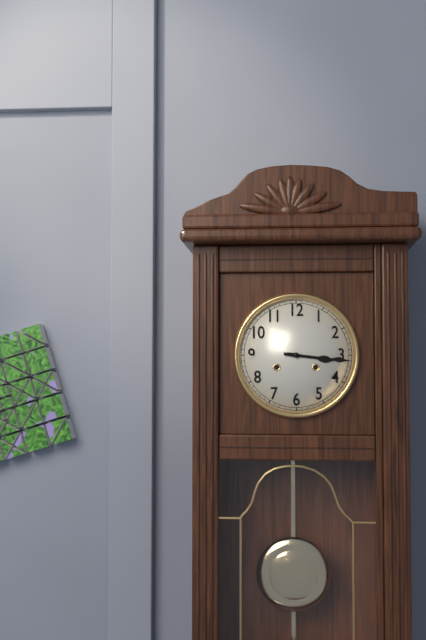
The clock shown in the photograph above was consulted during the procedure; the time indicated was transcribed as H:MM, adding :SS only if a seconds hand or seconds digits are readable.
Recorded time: 3:16
